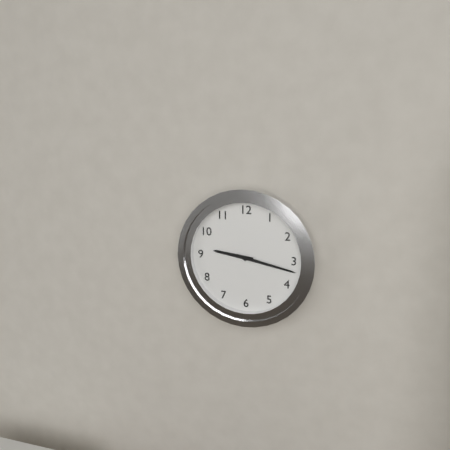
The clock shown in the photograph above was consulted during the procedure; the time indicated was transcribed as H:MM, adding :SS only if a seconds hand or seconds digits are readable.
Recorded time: 9:17
